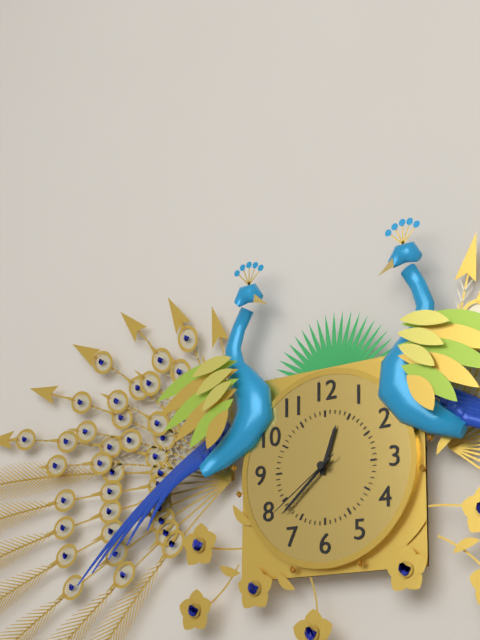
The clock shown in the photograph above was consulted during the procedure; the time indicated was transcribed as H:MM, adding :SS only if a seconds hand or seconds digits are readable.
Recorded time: 12:38:39
